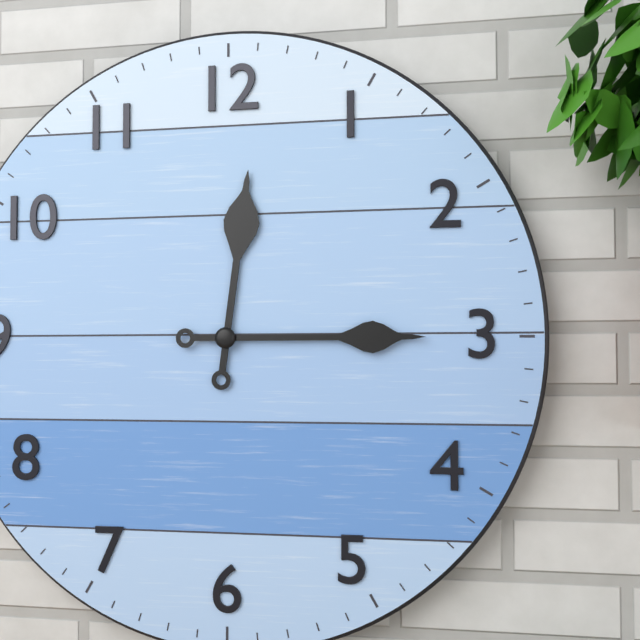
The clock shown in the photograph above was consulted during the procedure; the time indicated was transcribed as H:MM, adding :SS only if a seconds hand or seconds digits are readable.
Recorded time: 12:15
